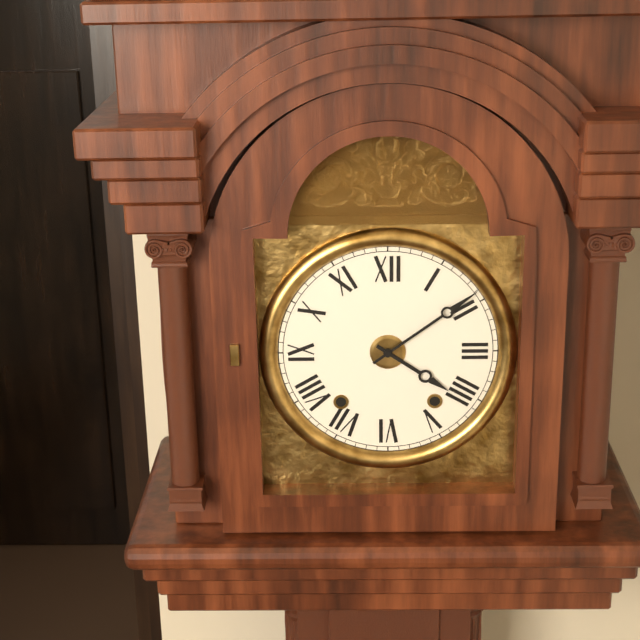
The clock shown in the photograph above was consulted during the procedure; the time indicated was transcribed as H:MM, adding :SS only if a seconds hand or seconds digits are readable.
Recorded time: 4:09
